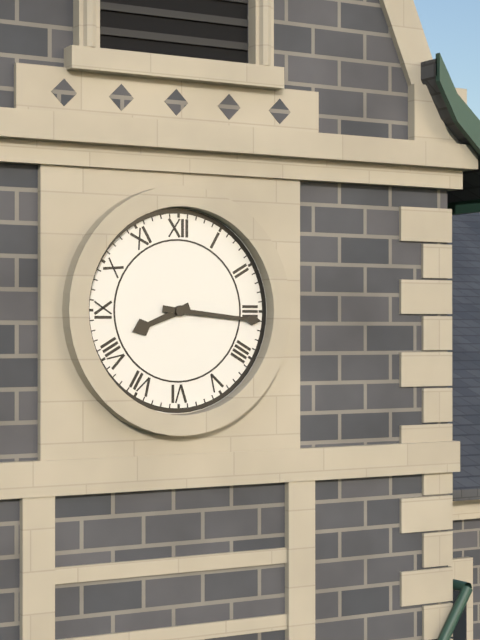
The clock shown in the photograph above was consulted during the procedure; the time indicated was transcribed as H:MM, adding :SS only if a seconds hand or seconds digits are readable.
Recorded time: 8:16
